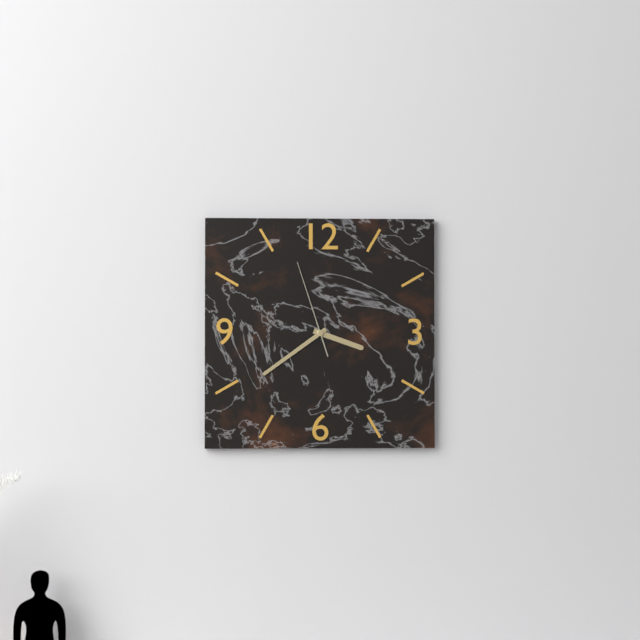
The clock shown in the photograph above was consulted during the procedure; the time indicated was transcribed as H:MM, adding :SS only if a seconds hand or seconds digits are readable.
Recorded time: 3:39:57
